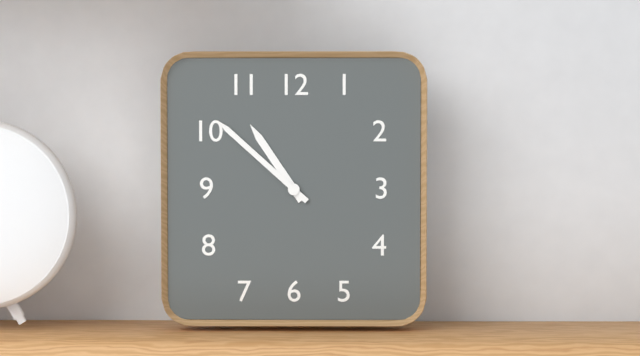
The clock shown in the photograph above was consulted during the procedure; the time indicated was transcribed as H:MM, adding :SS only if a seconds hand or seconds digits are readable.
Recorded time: 10:52
